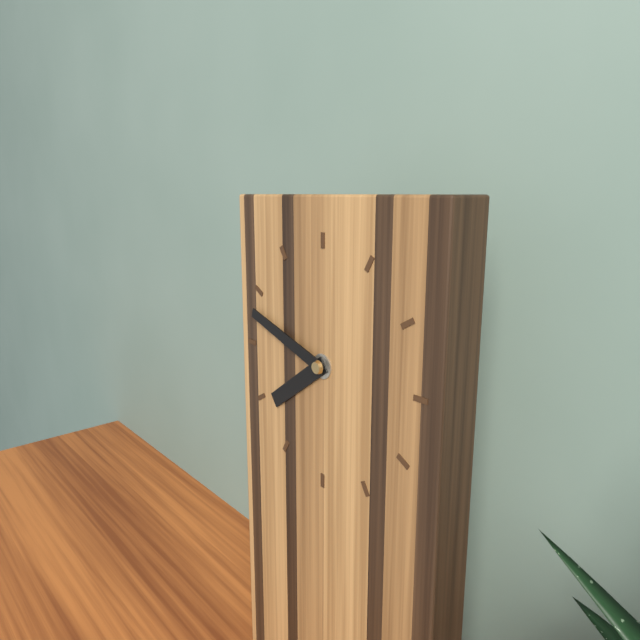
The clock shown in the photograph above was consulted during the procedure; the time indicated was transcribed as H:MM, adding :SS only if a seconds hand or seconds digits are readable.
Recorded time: 7:48
